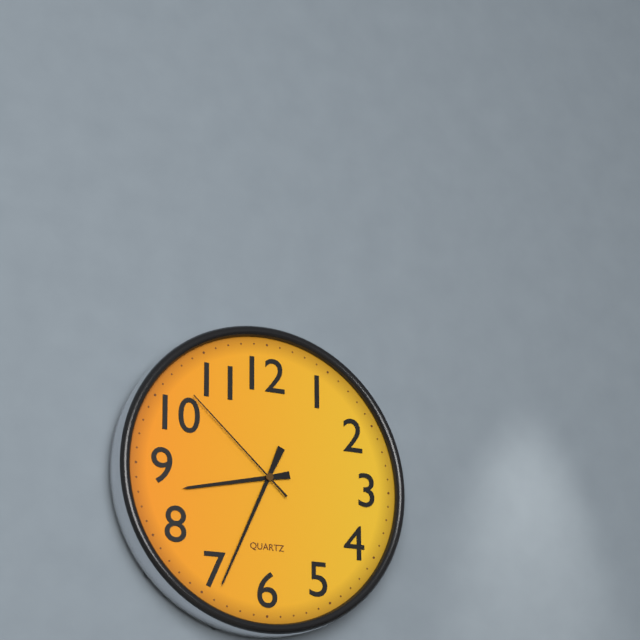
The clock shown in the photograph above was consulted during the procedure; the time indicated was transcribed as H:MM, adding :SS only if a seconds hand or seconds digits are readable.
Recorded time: 8:34:52
